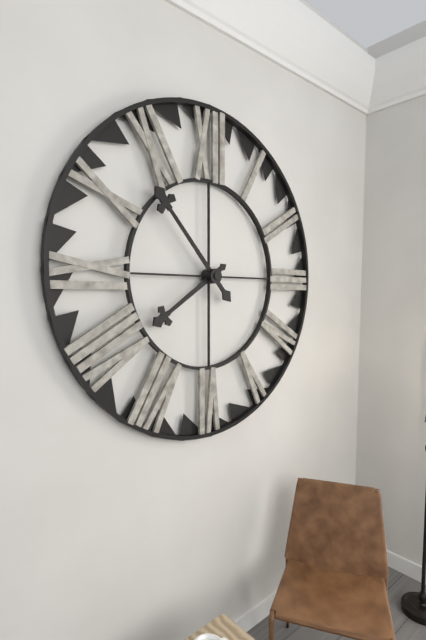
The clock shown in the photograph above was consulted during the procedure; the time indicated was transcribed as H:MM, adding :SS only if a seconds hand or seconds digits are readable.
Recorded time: 7:53
